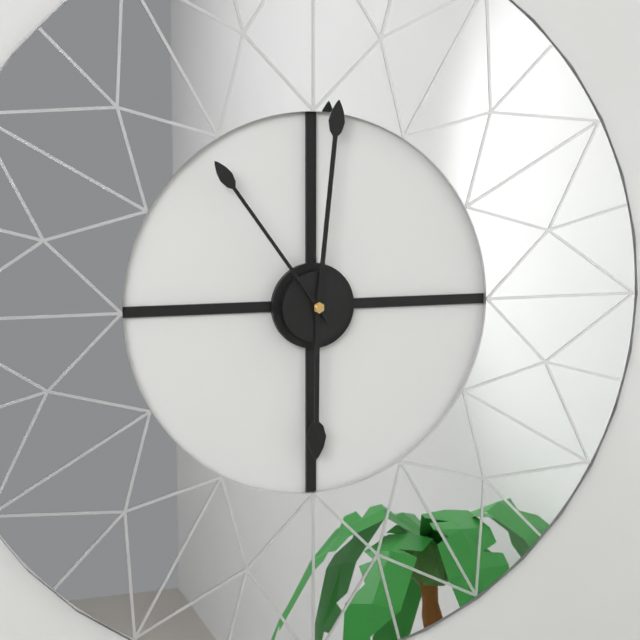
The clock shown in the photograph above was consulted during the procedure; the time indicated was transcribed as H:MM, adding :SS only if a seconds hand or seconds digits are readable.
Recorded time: 6:01:54
